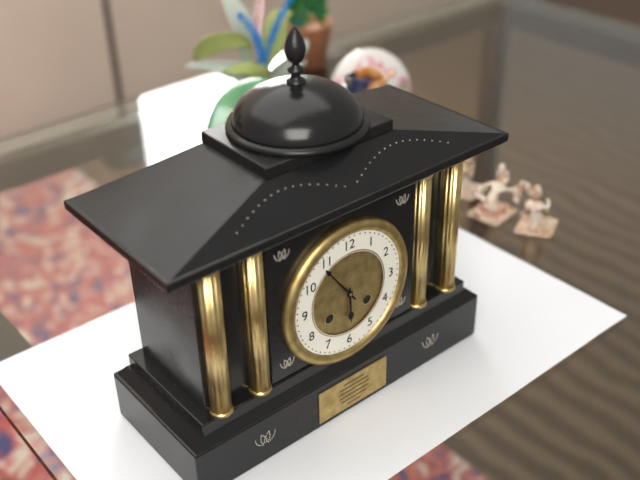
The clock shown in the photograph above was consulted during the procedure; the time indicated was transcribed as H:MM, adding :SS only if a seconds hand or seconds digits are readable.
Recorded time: 5:54
